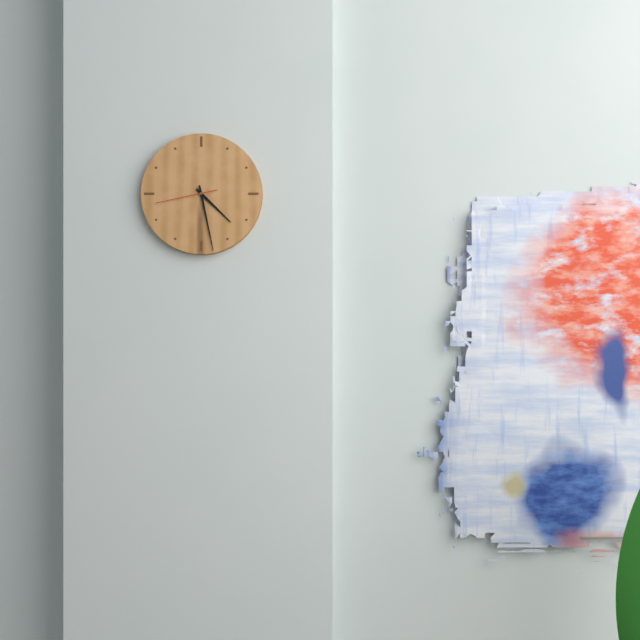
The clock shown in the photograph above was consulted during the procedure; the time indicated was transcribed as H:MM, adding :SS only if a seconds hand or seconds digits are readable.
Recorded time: 4:28:43
